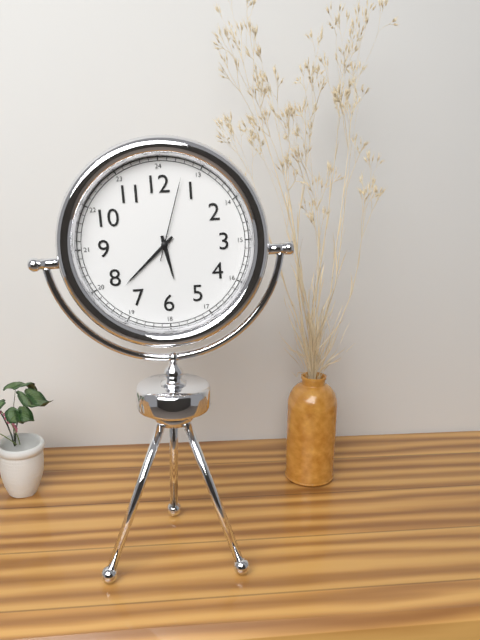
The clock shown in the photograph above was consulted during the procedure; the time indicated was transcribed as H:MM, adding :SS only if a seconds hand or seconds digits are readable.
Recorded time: 5:38:03
